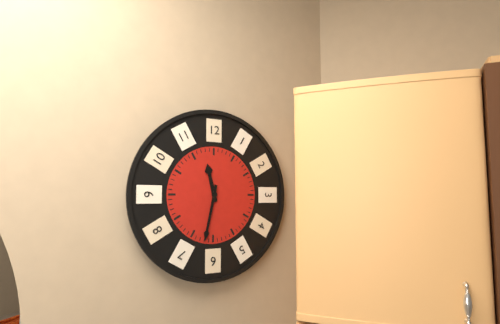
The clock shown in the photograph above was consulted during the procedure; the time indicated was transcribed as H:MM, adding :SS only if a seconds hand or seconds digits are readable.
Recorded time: 11:32
